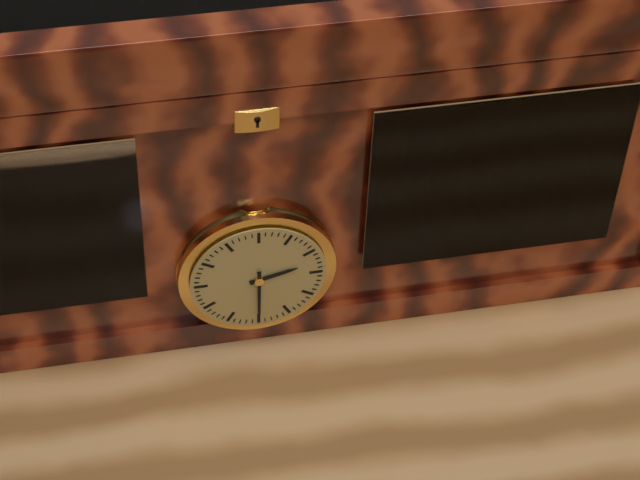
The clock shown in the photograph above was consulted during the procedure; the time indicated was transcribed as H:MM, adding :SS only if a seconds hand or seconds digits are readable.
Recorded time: 2:30
